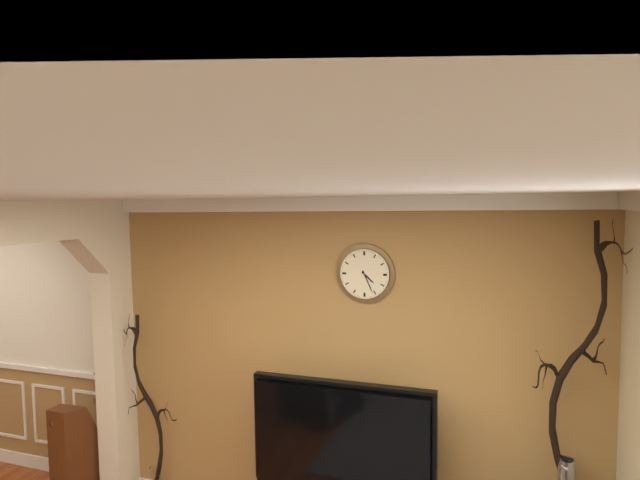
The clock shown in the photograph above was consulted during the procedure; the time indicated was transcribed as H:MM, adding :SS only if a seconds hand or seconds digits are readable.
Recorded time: 4:26
